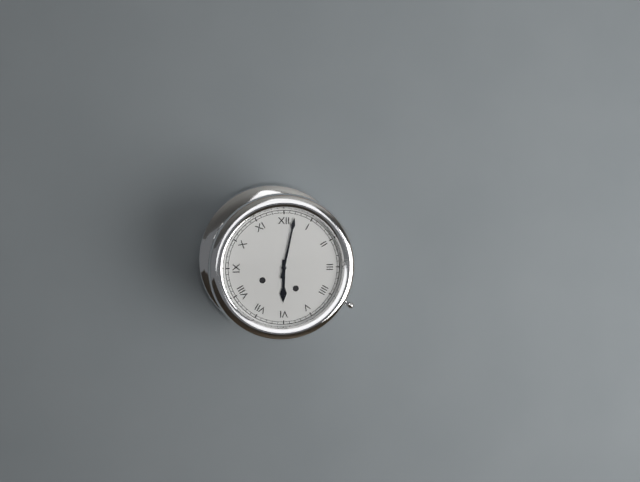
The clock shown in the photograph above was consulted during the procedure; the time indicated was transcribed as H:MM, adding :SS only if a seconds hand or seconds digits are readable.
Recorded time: 6:02
